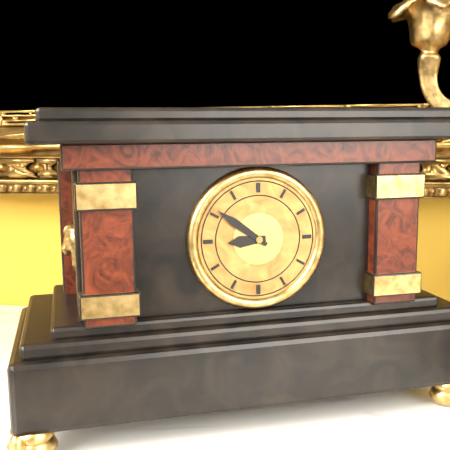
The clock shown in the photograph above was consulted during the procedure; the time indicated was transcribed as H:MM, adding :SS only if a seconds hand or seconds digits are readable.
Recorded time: 8:51
